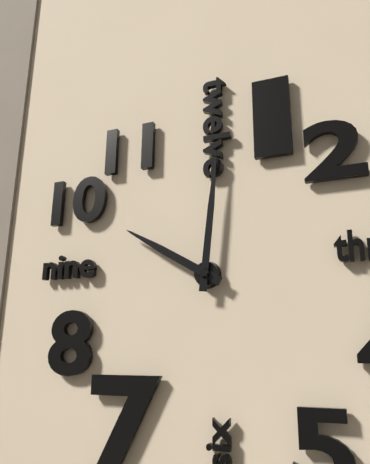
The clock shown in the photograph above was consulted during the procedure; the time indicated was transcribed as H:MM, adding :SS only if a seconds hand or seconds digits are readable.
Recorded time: 10:01
